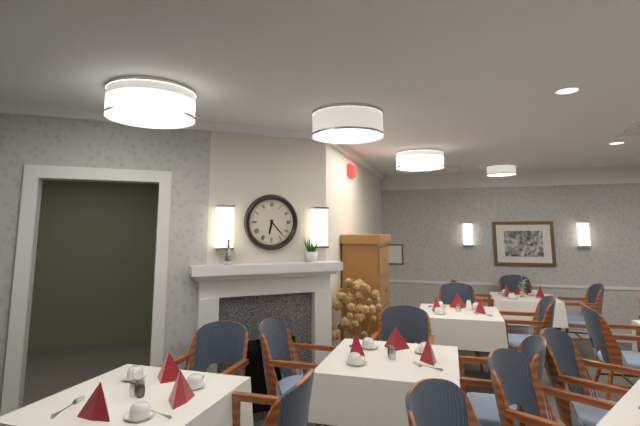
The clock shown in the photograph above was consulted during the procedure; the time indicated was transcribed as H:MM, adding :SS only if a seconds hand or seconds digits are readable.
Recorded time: 6:23
